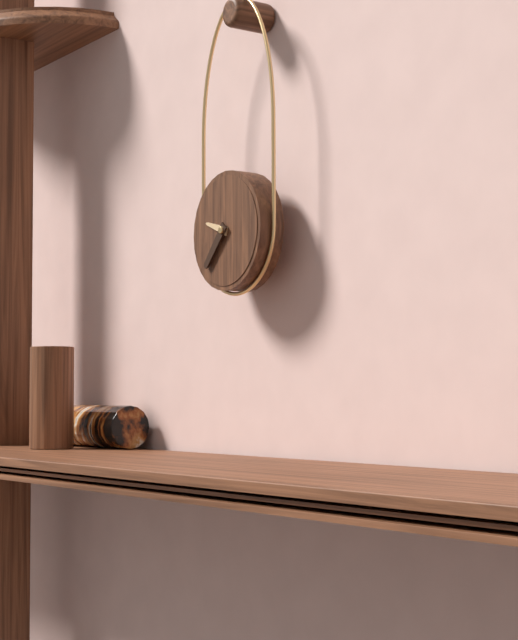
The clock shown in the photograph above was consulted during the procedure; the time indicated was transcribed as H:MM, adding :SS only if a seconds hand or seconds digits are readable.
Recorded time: 9:37
